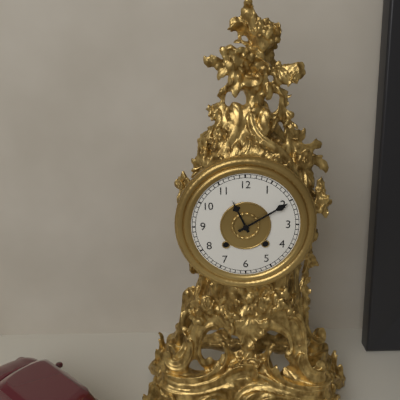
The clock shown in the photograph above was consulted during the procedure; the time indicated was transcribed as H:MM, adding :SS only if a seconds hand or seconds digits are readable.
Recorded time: 11:10
